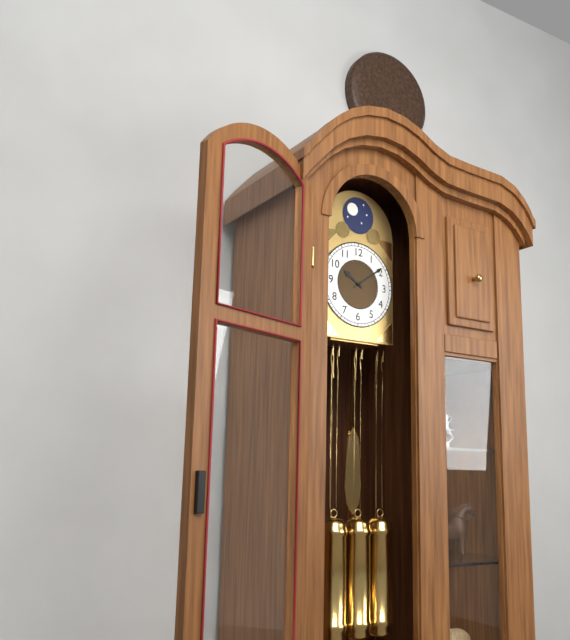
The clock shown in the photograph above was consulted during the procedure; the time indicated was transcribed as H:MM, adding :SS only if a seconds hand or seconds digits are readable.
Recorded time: 10:09
